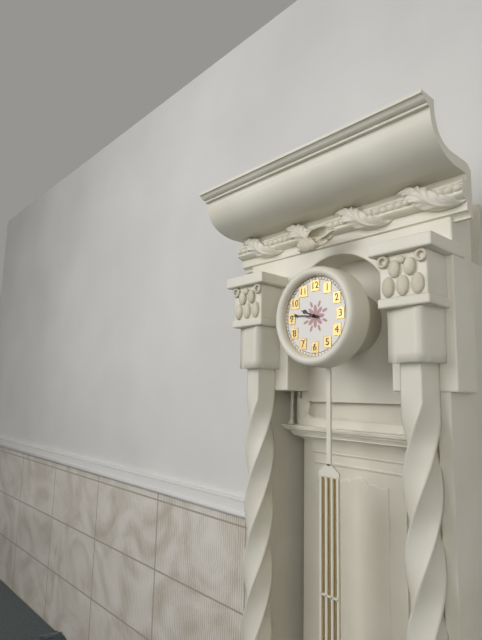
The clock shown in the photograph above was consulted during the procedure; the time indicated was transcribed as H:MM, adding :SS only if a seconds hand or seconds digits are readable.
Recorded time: 9:46
